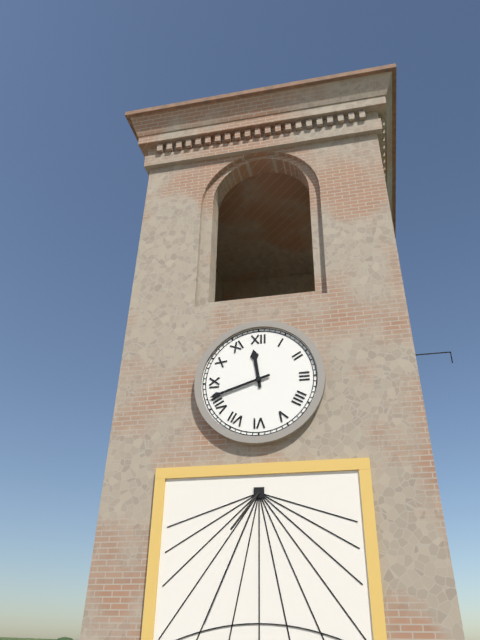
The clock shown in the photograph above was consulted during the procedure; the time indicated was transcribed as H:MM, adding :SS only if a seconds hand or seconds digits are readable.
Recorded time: 11:42
